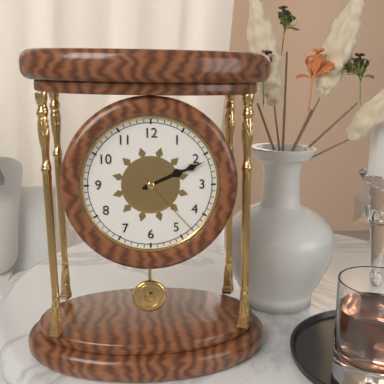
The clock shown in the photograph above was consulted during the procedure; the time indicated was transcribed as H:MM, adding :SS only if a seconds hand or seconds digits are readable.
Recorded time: 2:11:23
